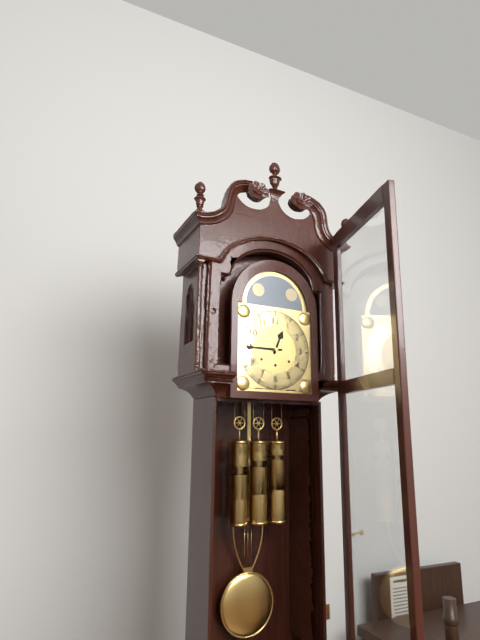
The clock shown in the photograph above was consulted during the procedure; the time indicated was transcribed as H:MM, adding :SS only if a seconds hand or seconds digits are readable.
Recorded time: 12:45
